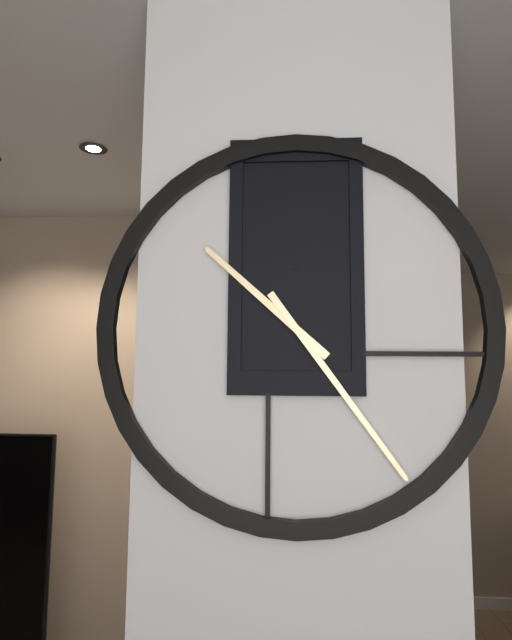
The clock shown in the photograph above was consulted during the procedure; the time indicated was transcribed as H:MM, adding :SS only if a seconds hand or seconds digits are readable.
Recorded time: 10:24
